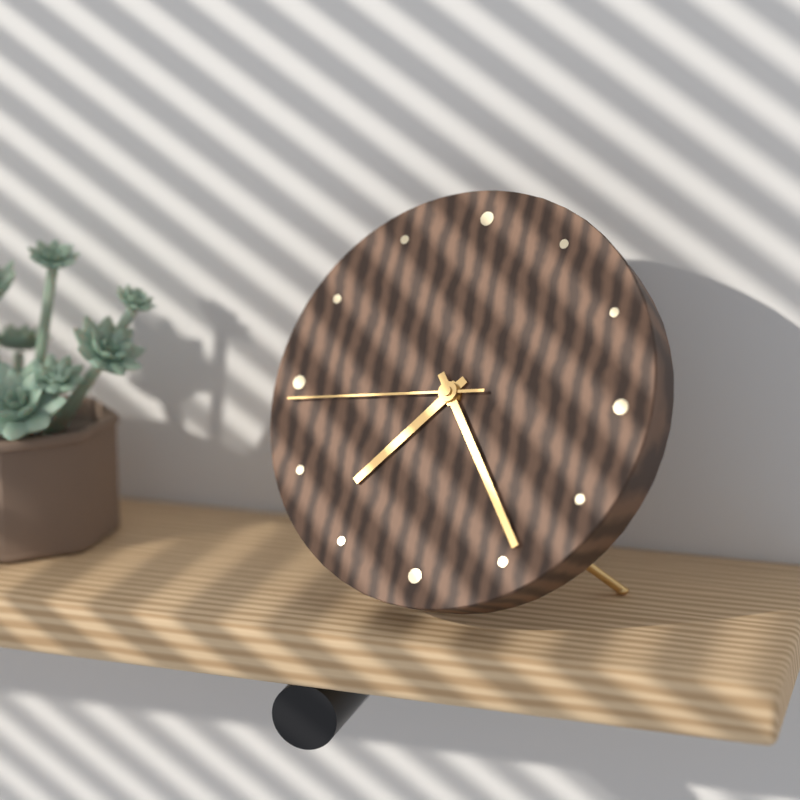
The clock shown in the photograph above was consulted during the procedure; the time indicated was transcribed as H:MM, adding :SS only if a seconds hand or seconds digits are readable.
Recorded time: 7:24:44
